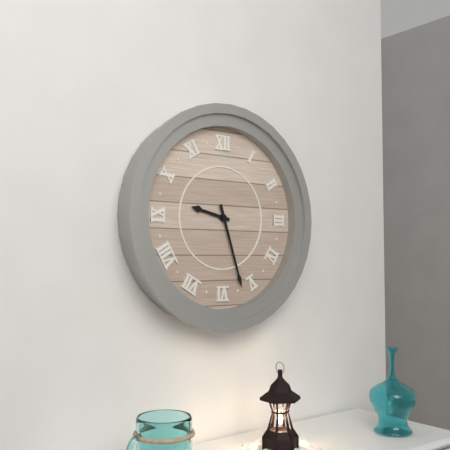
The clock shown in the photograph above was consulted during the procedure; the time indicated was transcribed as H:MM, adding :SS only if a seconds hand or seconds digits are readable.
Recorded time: 9:27
